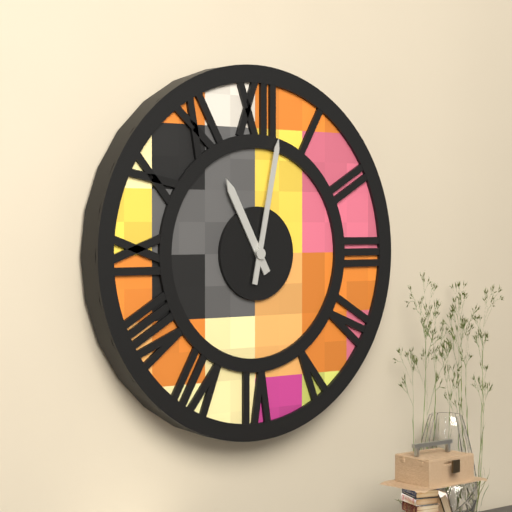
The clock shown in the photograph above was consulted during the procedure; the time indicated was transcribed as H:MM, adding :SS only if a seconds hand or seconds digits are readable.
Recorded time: 11:02
